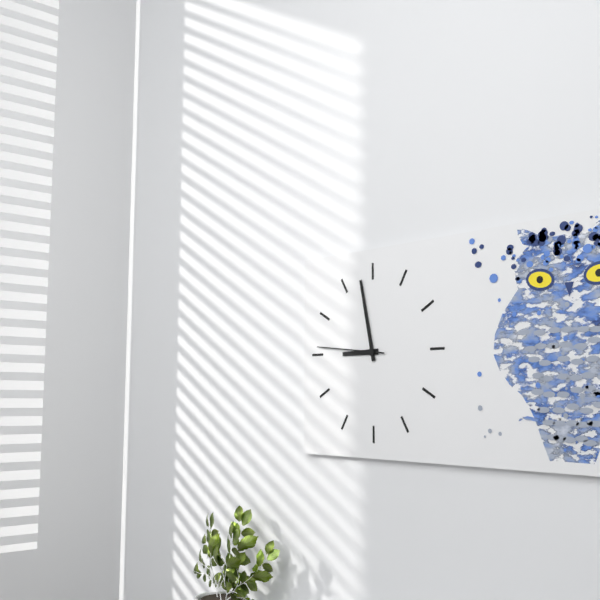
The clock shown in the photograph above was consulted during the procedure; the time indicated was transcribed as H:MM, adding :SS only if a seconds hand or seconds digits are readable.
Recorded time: 8:58:46
